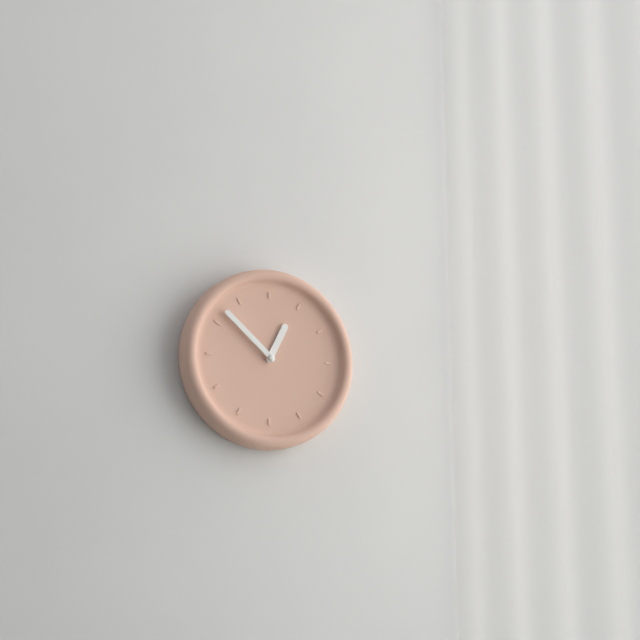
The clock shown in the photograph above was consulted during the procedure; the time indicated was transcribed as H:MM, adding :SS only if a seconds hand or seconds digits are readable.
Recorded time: 12:52
